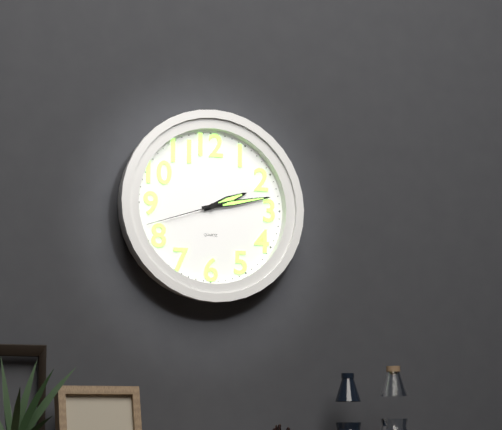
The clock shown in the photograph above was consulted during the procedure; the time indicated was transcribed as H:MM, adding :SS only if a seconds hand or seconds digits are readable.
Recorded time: 2:13:42
